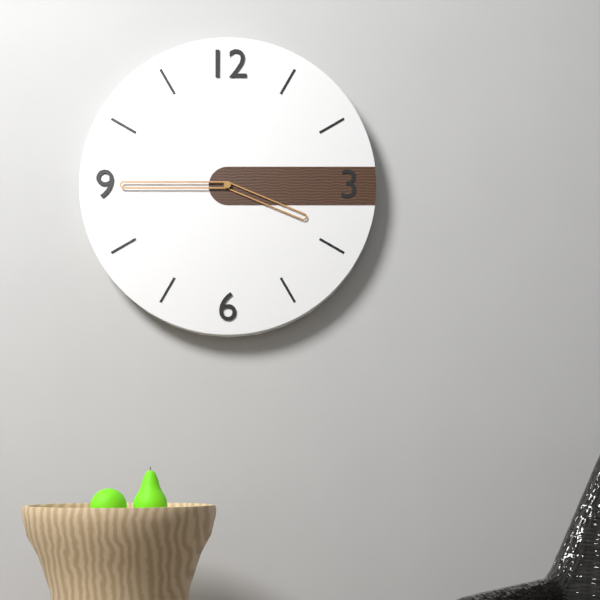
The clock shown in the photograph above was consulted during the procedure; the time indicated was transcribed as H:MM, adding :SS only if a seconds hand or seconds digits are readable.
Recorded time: 3:45
